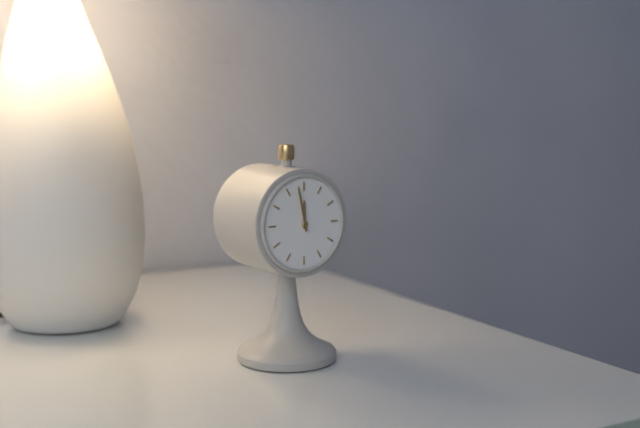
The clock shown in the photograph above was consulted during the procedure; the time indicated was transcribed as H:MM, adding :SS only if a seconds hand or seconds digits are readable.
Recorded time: 11:58
